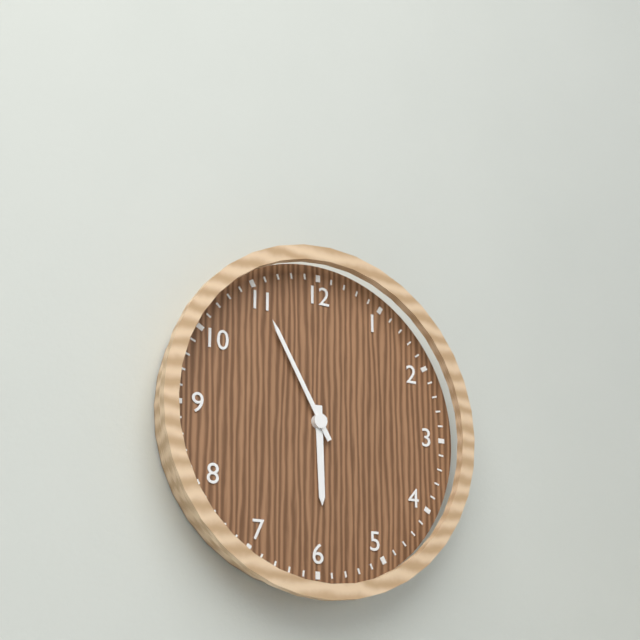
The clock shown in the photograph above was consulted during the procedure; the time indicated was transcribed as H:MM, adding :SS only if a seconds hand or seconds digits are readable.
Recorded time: 5:55
